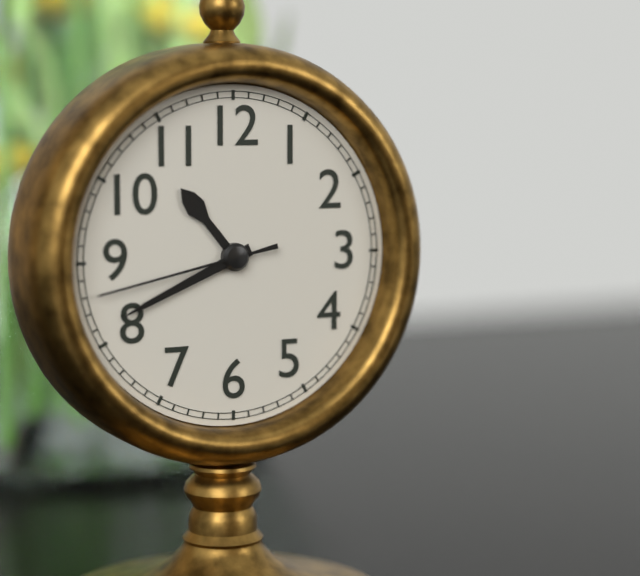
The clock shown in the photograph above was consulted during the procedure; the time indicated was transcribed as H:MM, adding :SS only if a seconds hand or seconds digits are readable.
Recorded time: 10:41:43
